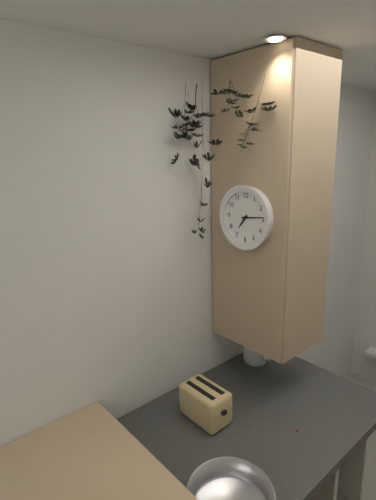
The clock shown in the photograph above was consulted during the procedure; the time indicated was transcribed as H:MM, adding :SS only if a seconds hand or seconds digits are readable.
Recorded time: 7:14
